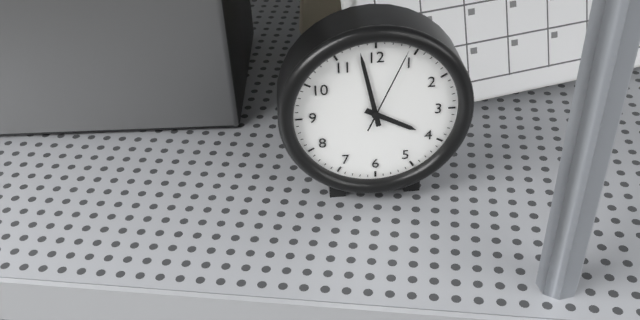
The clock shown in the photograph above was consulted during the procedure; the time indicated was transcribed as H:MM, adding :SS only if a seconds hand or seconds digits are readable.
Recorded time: 3:58:04
